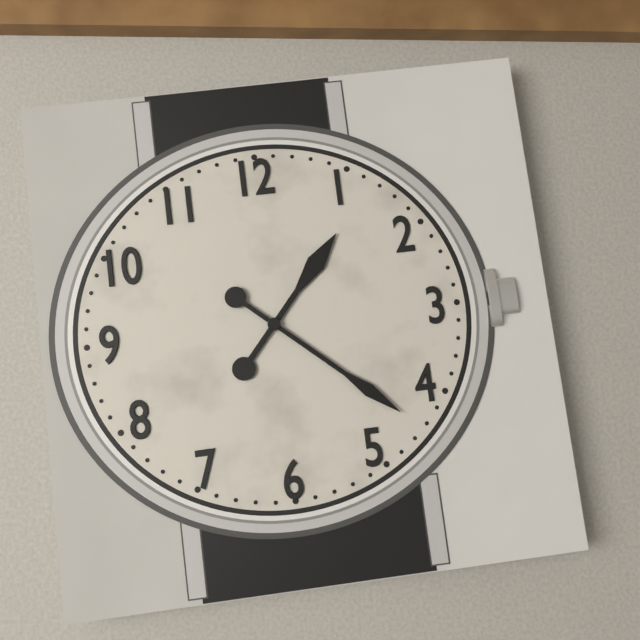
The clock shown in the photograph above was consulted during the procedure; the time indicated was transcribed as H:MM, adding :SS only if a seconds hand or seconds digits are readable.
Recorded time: 1:22
